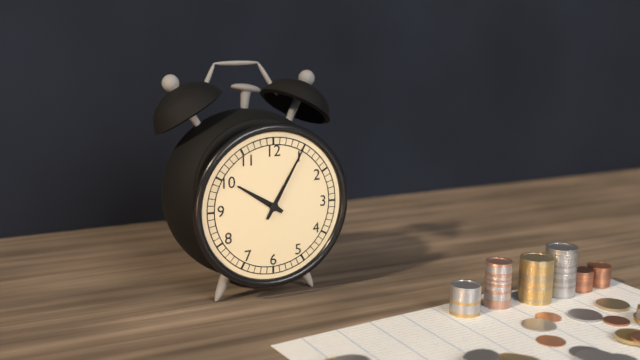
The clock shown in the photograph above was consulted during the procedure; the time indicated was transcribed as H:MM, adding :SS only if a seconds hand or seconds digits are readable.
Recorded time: 10:05
